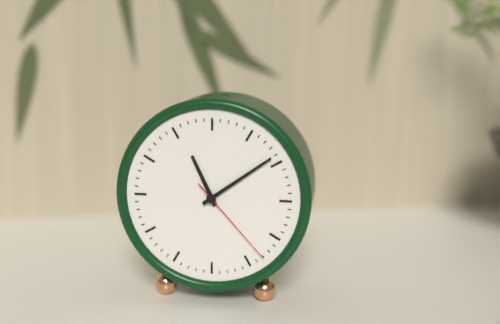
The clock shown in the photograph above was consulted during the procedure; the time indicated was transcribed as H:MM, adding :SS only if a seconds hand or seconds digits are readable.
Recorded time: 11:09:23
